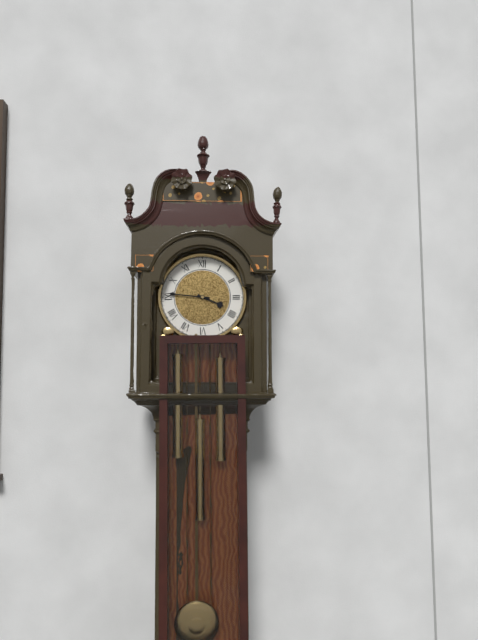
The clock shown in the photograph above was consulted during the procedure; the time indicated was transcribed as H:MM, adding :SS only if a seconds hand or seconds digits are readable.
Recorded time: 3:46
